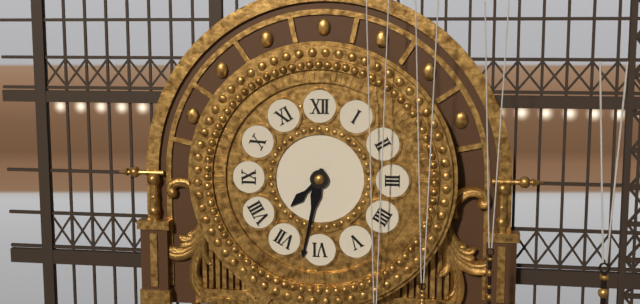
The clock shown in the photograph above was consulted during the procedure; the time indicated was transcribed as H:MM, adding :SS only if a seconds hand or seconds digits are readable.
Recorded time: 7:32
